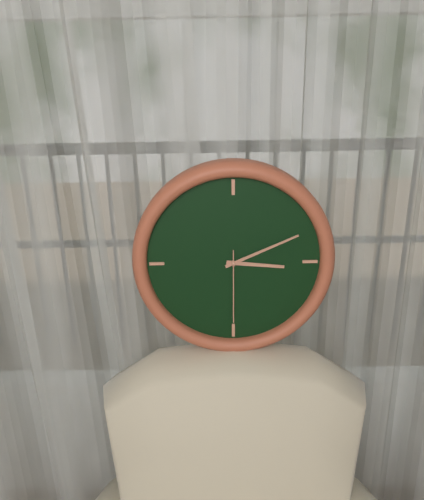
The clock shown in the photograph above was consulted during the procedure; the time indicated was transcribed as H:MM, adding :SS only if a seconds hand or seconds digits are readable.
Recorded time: 3:11:30
